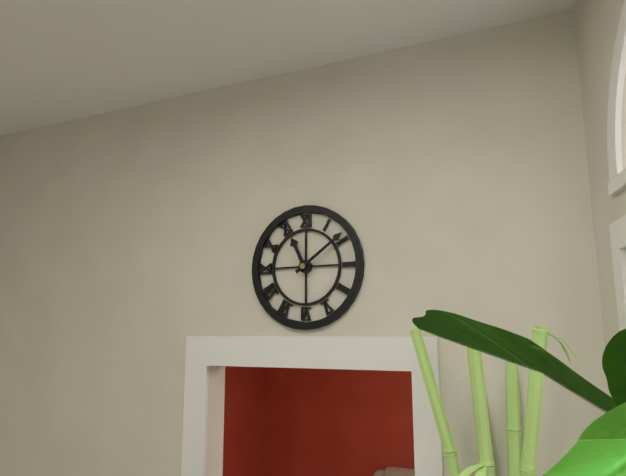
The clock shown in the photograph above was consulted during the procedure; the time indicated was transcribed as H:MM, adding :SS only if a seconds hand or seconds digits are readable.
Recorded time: 11:09
